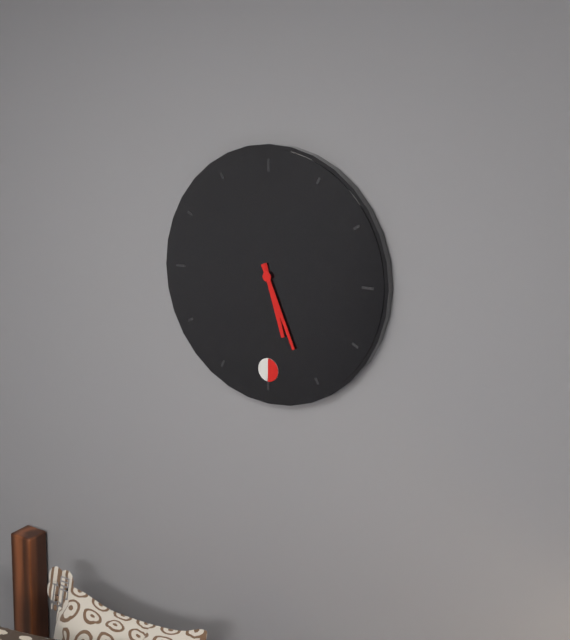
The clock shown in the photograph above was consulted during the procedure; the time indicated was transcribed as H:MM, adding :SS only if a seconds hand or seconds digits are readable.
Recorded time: 5:26
